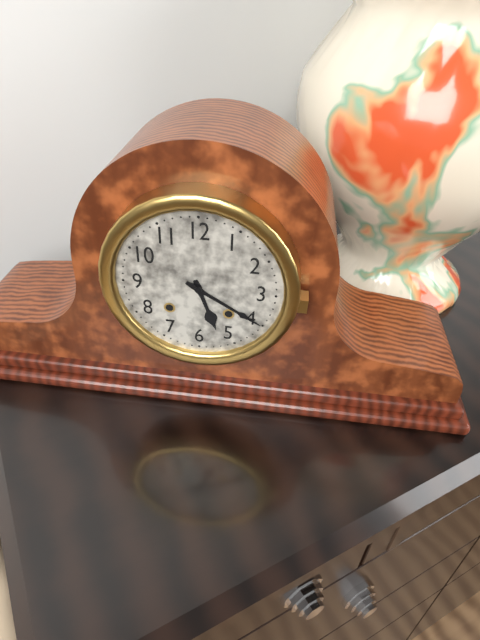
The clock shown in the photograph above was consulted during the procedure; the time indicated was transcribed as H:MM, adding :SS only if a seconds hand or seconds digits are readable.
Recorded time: 5:20
